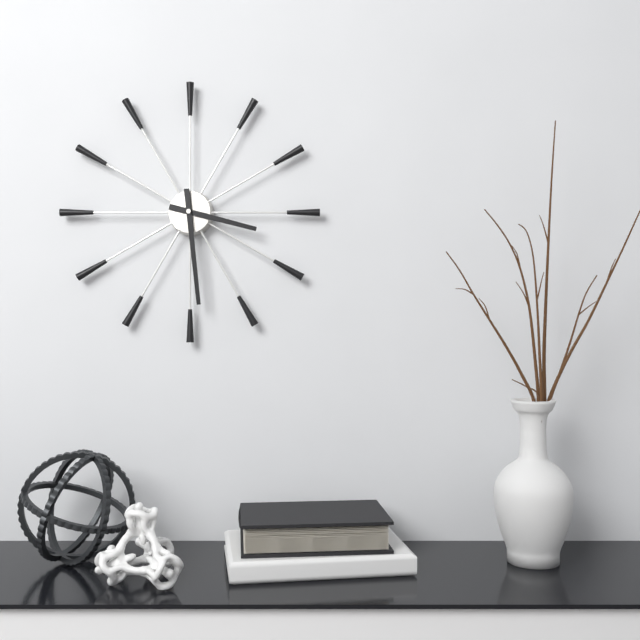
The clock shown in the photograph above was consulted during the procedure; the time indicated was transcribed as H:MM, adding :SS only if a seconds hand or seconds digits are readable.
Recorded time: 3:29
